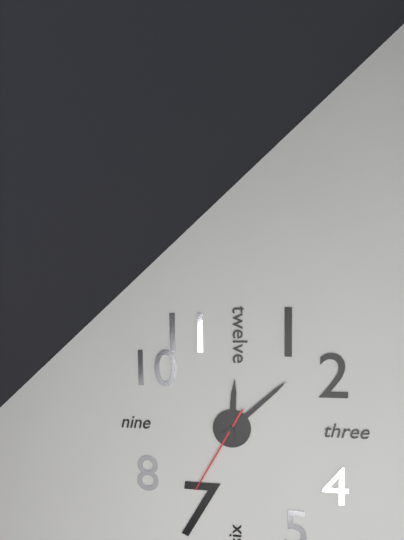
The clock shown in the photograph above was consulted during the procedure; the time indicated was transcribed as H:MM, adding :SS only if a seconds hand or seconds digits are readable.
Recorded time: 12:08:35
